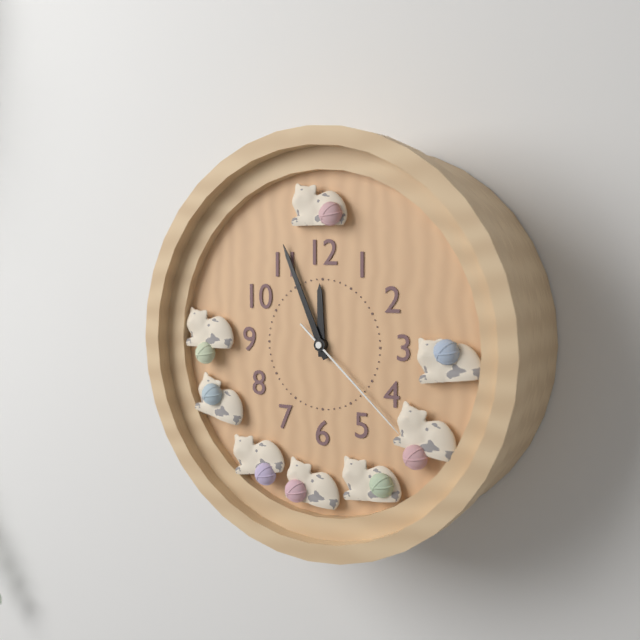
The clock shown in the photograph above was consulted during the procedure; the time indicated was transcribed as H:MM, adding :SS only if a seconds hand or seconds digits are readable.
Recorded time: 11:56:22
